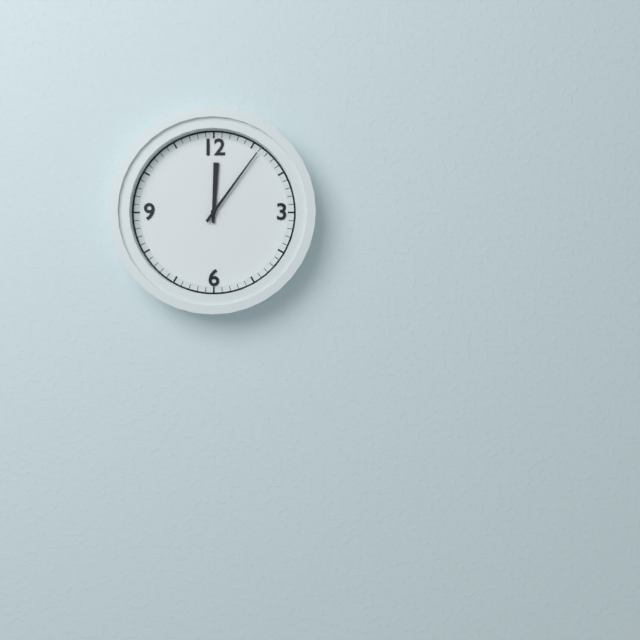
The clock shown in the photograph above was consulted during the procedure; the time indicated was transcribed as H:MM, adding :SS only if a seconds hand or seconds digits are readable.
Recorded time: 12:06
